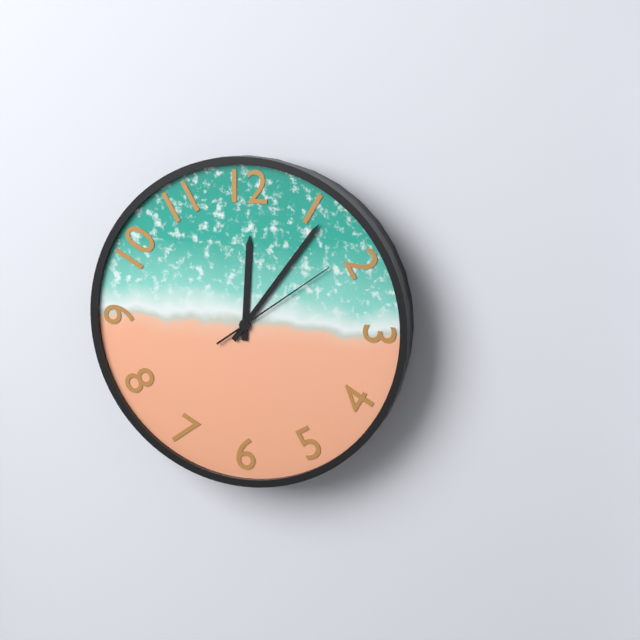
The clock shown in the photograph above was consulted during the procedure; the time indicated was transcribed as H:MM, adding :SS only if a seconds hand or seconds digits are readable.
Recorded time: 12:06:09
